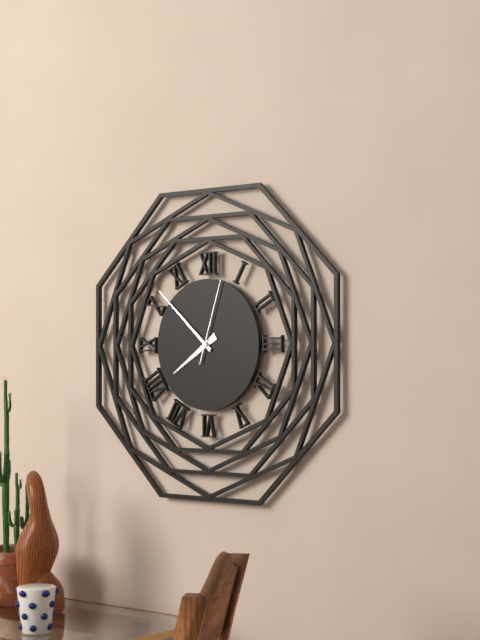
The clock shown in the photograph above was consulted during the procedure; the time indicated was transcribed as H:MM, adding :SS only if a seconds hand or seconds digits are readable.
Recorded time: 7:52:03
